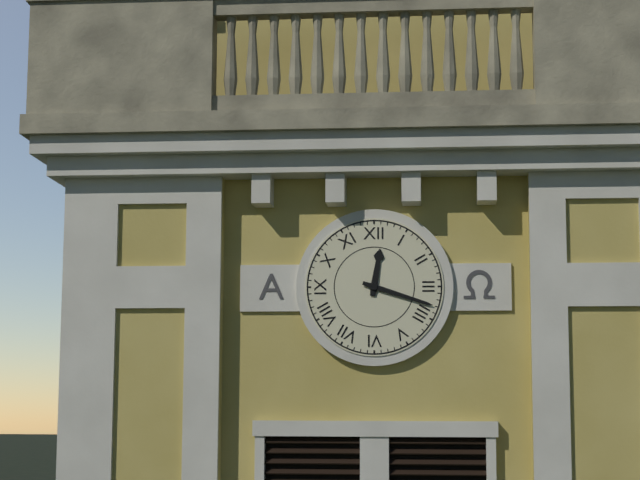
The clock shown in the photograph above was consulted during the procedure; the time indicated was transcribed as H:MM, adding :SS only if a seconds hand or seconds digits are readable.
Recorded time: 12:18
